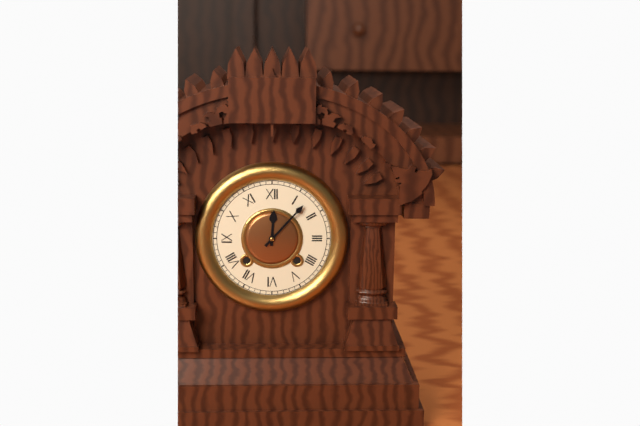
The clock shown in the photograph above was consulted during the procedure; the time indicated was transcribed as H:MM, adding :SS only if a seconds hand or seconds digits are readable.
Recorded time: 12:07
